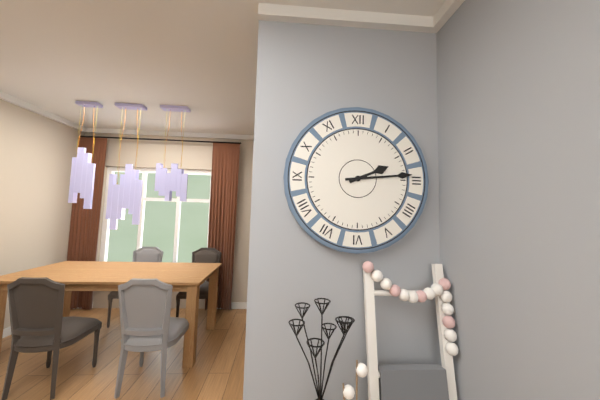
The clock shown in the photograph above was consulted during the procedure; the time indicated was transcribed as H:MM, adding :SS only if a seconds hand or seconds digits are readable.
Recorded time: 2:14
